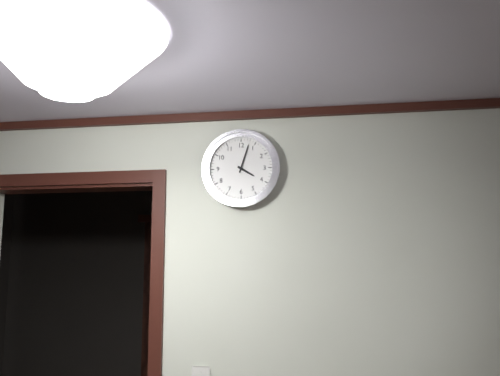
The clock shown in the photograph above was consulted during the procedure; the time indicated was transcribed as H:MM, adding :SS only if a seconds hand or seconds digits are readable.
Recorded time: 4:03
